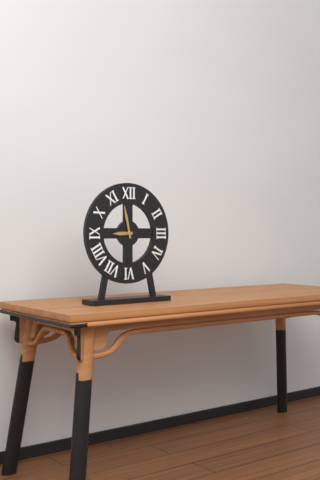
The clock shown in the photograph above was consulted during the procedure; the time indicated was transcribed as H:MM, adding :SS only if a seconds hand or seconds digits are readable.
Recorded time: 8:58
